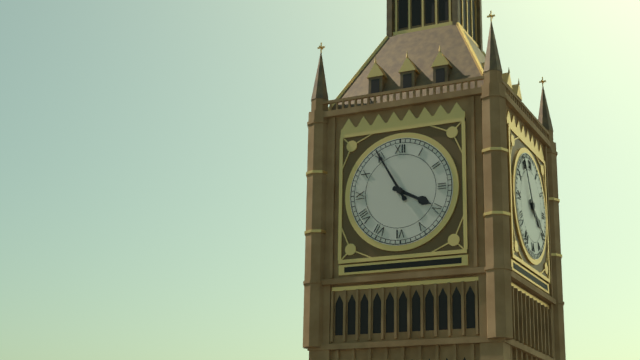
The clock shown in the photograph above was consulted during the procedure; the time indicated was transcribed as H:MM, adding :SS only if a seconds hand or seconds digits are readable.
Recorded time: 3:55
